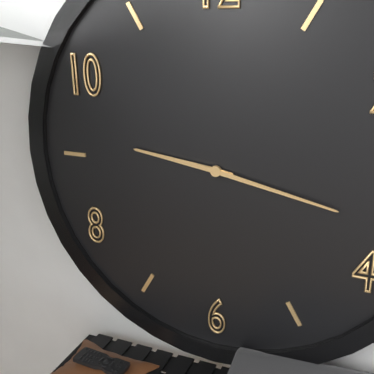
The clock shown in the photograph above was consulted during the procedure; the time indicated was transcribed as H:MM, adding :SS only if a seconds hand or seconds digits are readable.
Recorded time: 9:17
